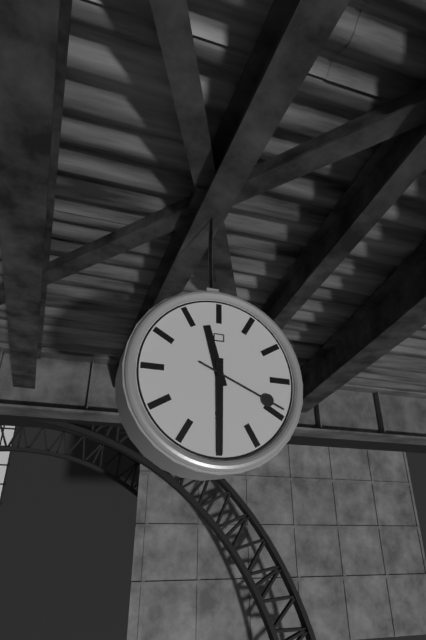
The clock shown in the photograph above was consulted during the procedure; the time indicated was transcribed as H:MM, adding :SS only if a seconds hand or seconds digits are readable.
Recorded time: 11:30:19
